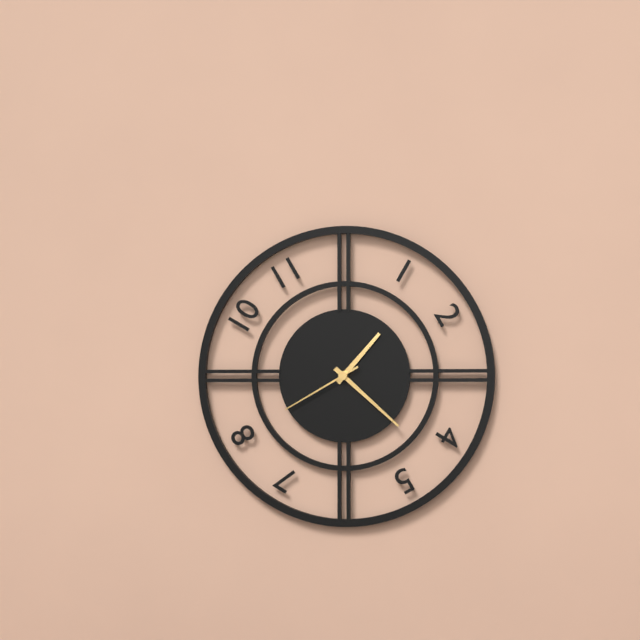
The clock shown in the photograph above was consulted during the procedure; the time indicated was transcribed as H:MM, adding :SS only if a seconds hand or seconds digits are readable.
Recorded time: 1:22:40
